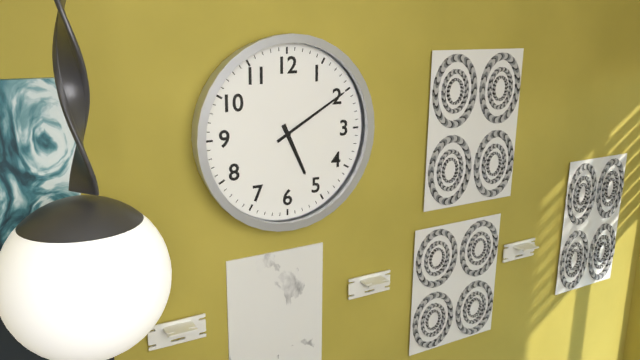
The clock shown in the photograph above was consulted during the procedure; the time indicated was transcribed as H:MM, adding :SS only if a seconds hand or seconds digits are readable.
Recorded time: 5:10
